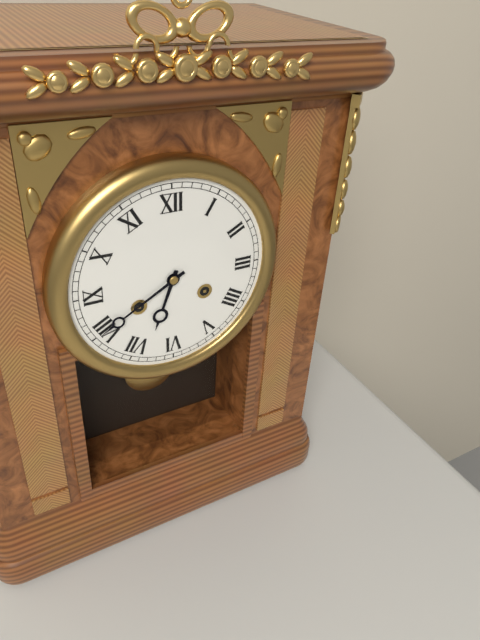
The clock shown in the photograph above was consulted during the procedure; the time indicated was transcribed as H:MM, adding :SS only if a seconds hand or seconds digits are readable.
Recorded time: 6:40
